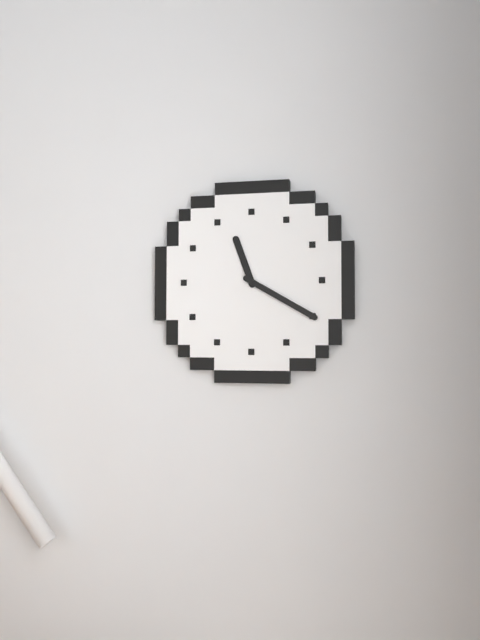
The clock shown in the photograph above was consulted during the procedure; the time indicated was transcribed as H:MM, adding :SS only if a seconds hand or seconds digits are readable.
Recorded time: 11:20
